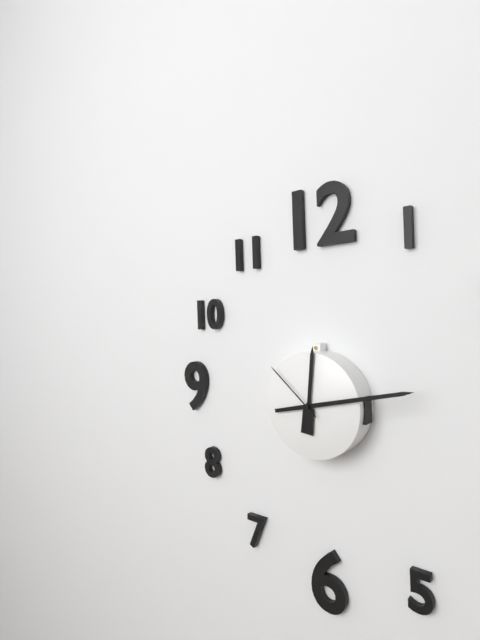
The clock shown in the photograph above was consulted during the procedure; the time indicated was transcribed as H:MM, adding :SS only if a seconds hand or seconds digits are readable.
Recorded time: 12:13:52
